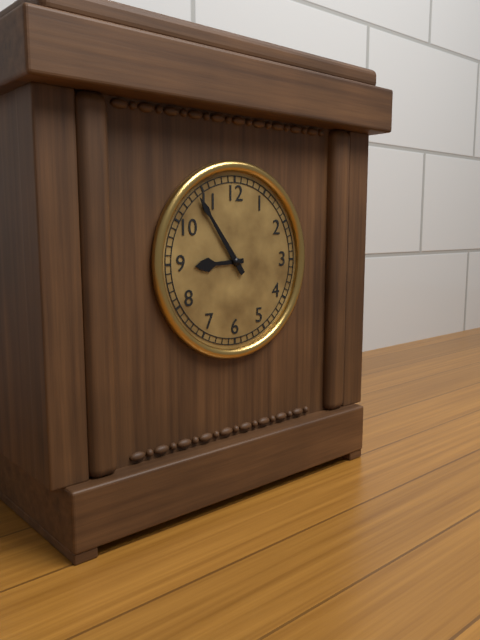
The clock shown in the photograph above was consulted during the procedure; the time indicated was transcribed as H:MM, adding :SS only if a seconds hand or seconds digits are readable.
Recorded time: 8:54
